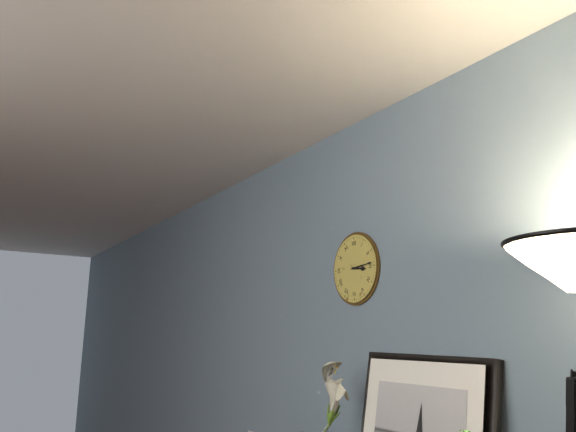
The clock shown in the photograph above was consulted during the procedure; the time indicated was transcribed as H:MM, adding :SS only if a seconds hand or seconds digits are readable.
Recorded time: 3:14
